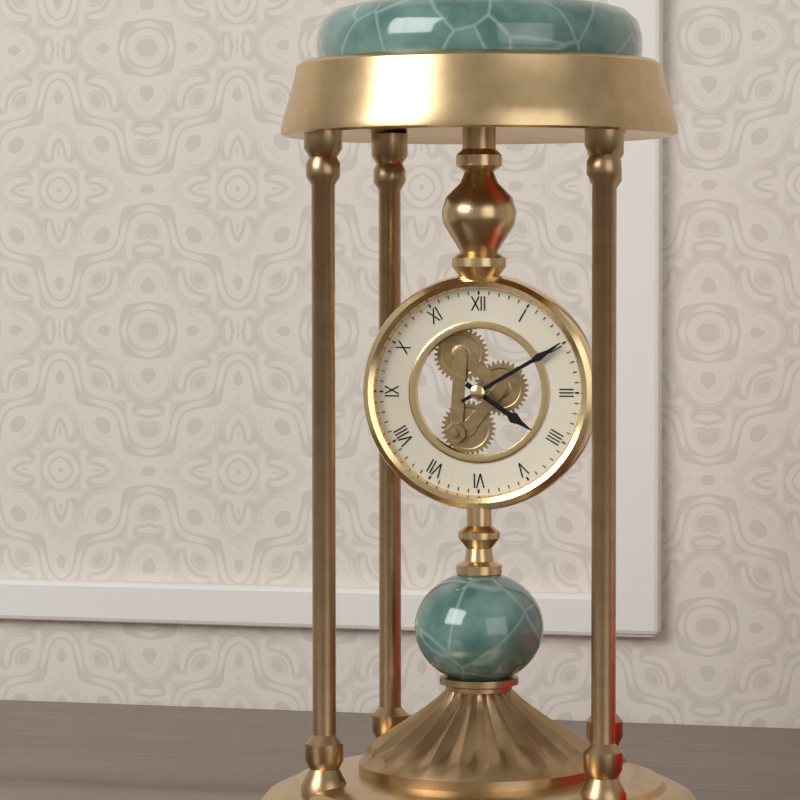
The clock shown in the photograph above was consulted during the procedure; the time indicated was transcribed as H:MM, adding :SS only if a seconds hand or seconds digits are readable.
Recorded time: 4:10
